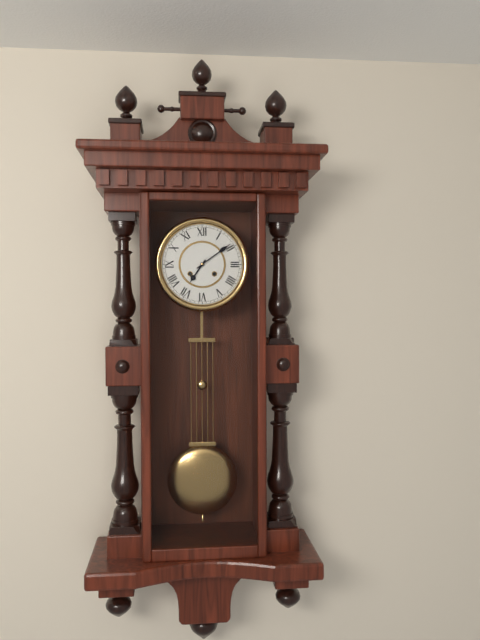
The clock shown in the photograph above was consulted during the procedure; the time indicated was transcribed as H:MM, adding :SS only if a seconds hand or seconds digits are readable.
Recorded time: 7:09
